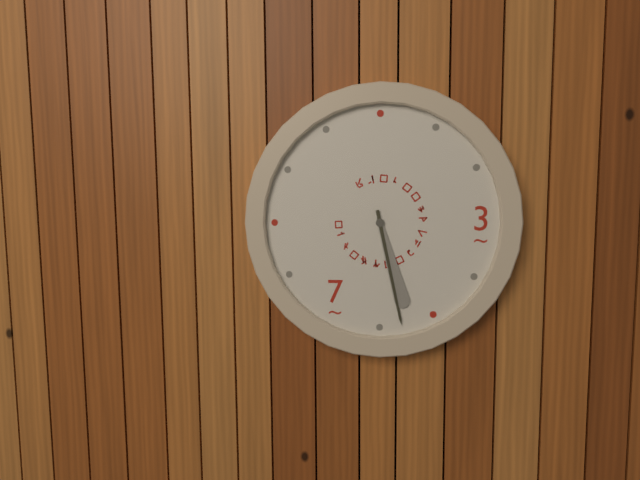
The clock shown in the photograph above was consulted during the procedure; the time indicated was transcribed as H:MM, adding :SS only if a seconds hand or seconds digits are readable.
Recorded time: 5:28
